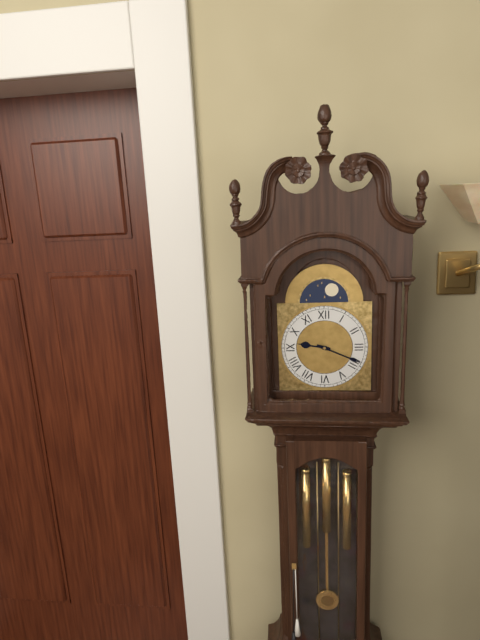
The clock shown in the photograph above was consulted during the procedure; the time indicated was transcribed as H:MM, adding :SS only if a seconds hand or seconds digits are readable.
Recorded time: 9:19
